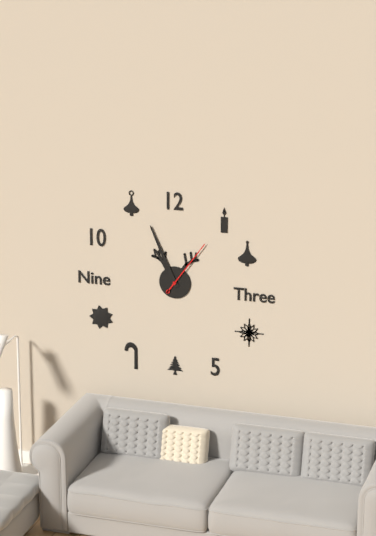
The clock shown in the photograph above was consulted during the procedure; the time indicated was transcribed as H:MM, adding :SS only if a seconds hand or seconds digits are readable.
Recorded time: 10:56:06
